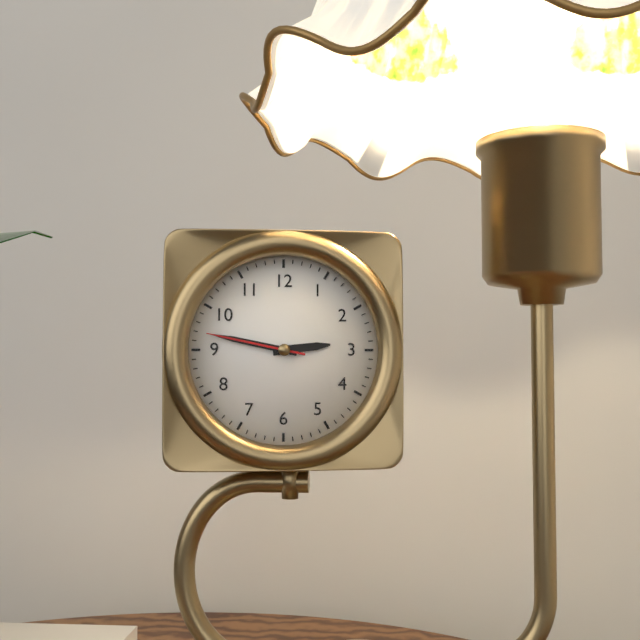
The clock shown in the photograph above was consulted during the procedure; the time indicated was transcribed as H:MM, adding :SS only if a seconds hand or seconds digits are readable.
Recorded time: 2:47:47
